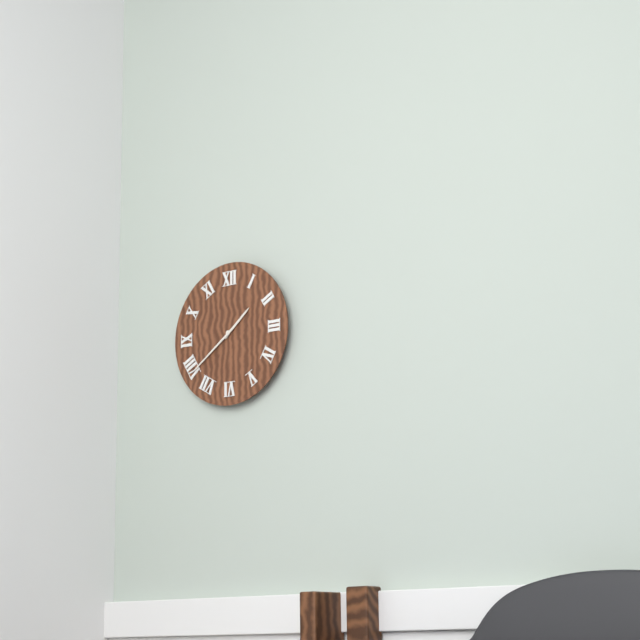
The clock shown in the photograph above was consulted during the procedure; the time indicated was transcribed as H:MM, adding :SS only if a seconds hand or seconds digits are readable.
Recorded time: 1:39
